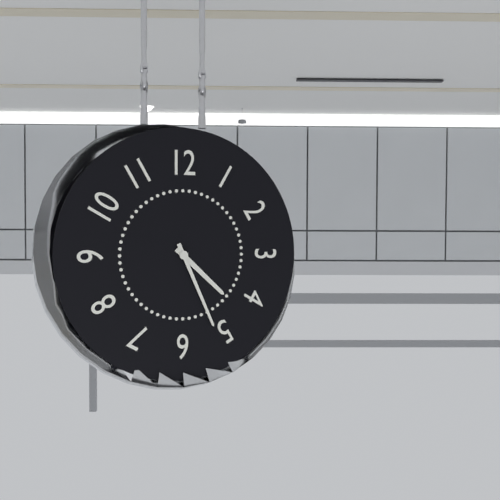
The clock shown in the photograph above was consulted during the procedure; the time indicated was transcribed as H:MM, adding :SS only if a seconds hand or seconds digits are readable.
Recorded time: 4:26
